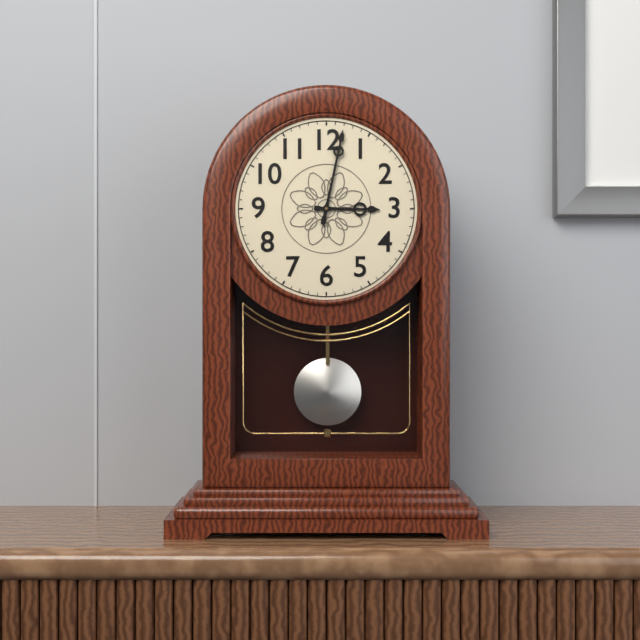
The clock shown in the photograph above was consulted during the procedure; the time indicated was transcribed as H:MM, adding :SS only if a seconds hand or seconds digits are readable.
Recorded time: 3:02
